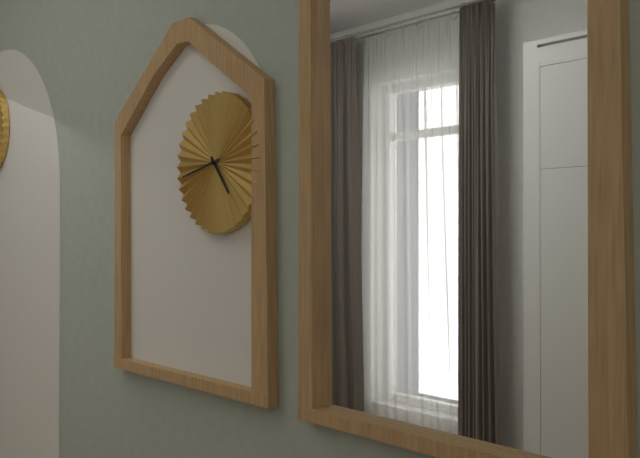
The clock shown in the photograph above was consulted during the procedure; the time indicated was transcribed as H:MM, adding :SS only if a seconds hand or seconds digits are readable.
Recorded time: 4:43
